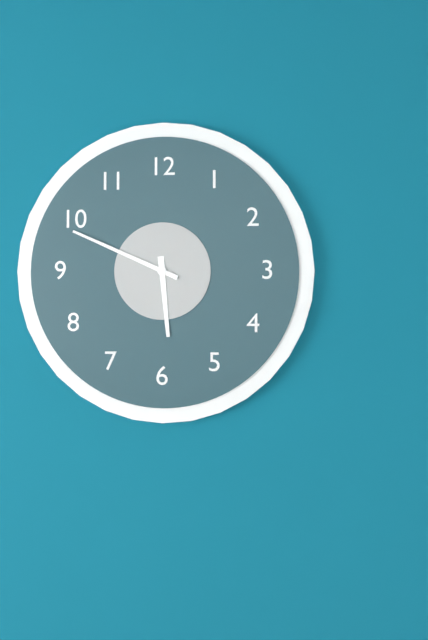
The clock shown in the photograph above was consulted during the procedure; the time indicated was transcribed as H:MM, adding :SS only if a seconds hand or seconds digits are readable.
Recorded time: 5:49
